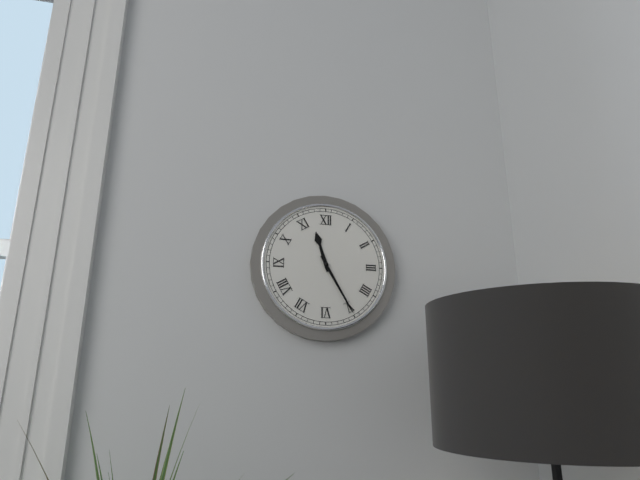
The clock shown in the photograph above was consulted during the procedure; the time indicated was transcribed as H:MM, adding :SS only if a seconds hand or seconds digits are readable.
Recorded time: 11:25
